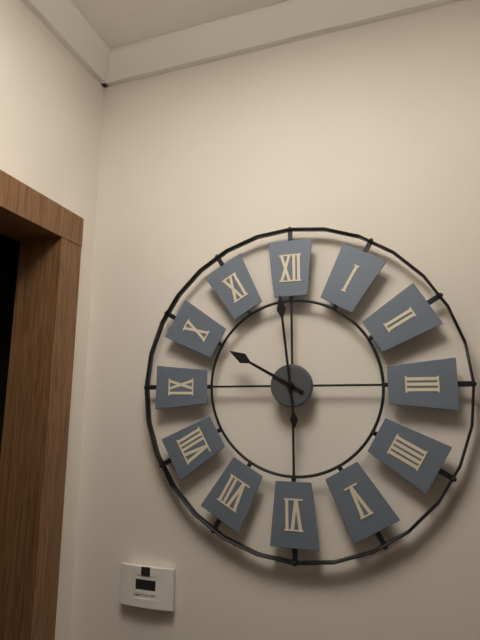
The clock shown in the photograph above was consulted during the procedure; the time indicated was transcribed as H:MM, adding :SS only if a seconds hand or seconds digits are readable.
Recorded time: 9:59
